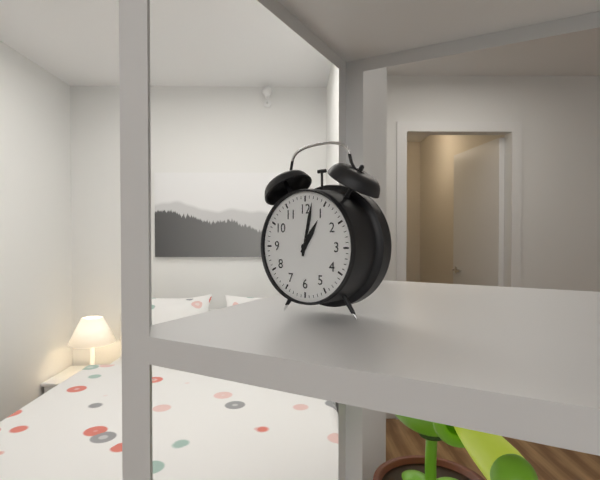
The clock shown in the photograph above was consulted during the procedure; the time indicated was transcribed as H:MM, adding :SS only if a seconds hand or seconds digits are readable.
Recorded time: 1:02
